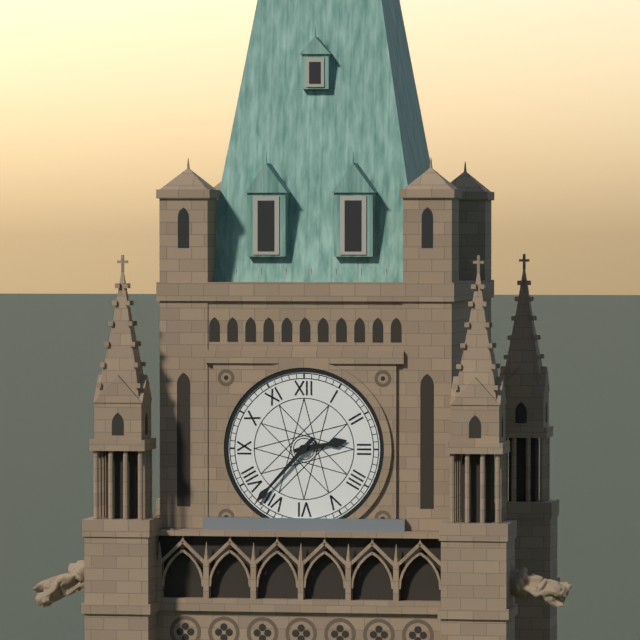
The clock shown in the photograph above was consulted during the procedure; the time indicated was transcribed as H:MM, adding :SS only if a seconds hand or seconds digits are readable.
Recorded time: 2:37
